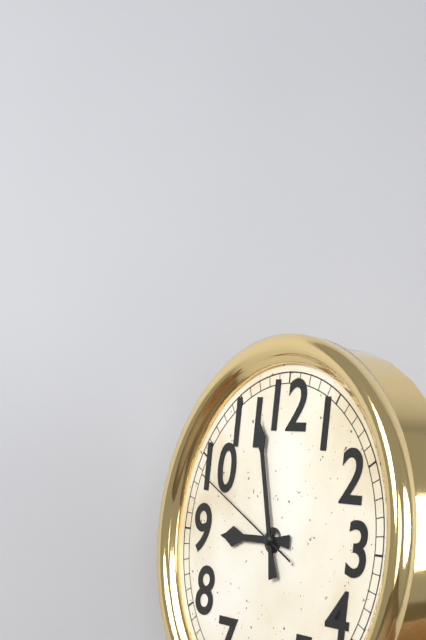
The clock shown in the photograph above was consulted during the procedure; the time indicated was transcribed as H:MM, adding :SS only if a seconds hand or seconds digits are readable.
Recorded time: 8:57:49
